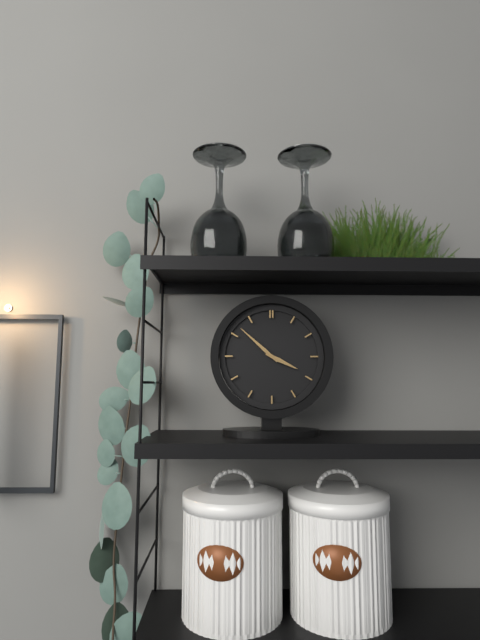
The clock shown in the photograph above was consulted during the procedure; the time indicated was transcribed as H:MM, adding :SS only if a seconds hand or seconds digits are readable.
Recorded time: 3:52
